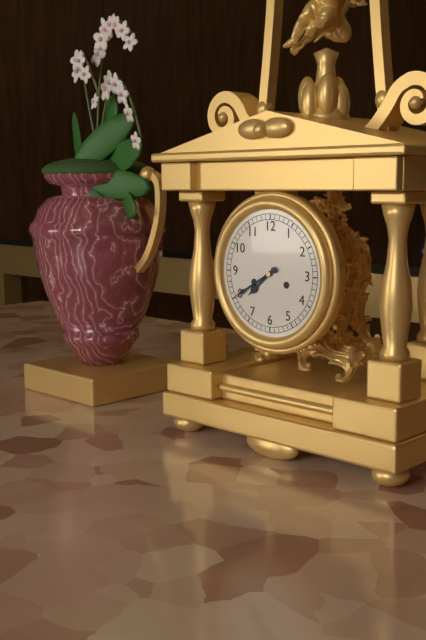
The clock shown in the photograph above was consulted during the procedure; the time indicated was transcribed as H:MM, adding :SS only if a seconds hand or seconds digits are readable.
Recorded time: 7:40
